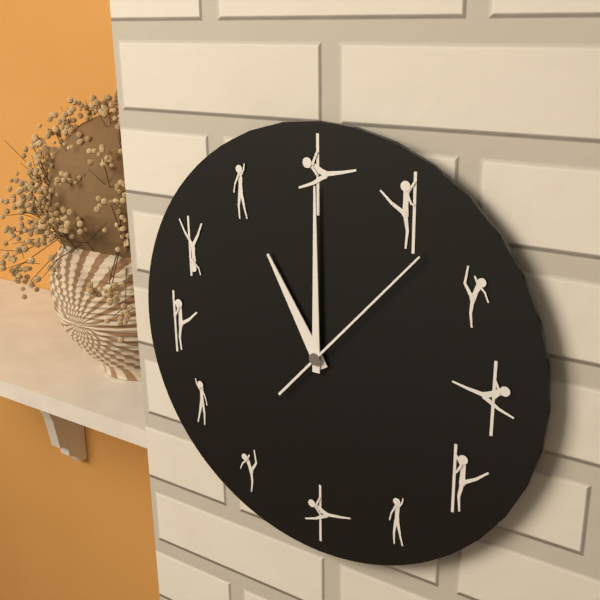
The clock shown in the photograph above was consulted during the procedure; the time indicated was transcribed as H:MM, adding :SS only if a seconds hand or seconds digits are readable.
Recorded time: 11:00:07
